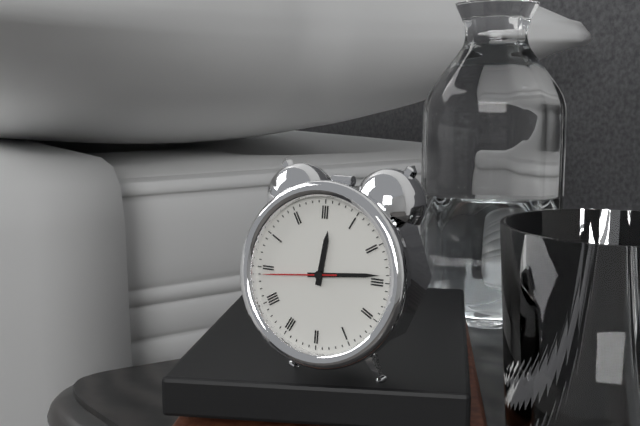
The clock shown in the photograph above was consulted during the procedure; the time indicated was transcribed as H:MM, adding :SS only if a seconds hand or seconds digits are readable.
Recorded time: 12:14:44
